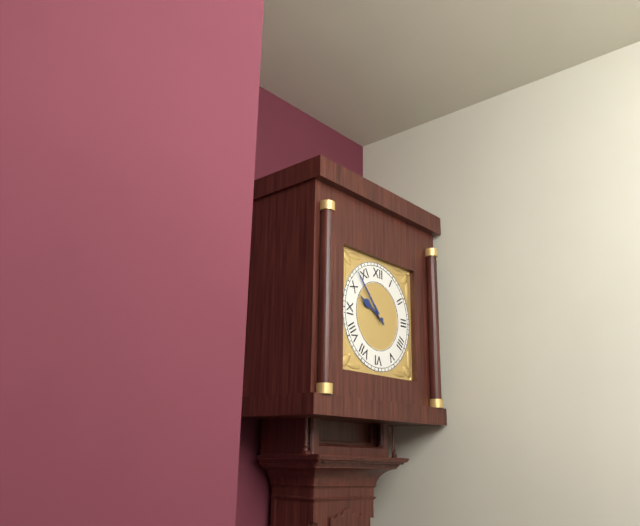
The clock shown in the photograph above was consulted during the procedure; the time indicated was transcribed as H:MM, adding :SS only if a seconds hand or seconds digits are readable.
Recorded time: 9:53
